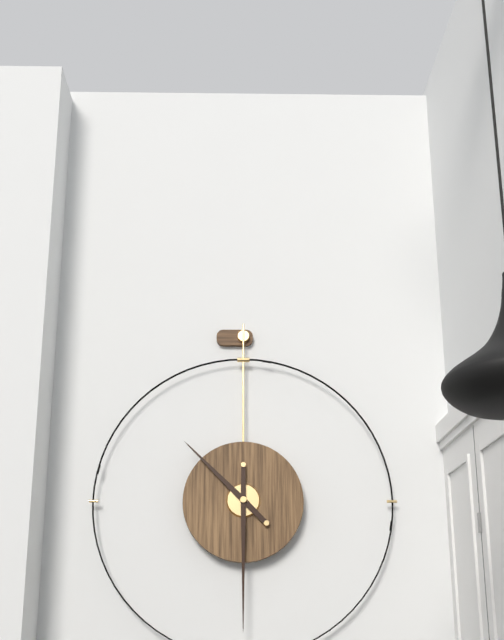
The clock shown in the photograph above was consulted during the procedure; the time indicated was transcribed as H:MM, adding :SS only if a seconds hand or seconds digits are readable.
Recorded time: 10:30
